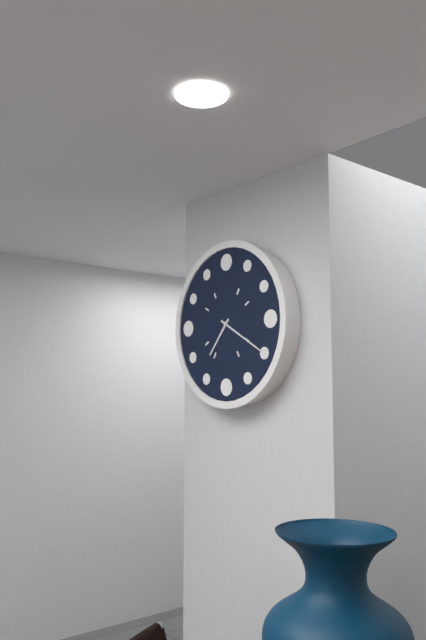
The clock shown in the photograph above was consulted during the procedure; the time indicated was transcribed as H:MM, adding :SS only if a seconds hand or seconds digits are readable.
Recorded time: 7:20
